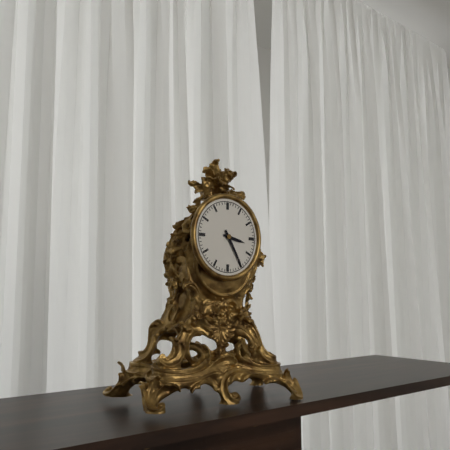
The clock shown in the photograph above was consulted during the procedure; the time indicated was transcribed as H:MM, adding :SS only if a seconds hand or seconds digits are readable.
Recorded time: 3:25
